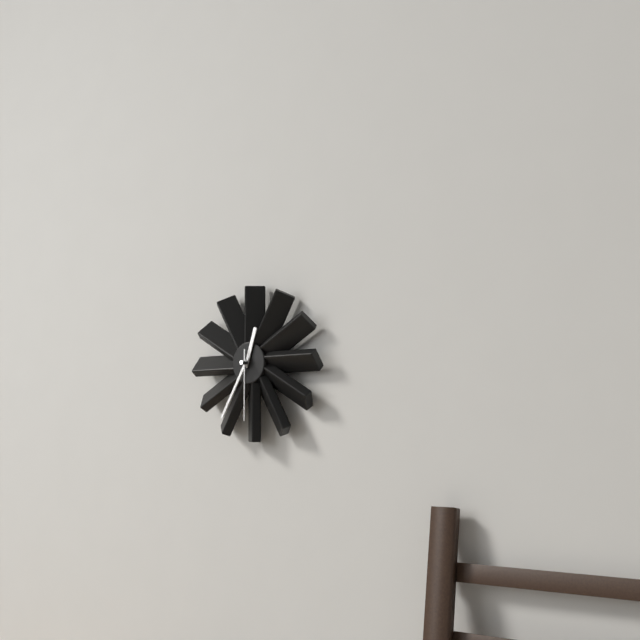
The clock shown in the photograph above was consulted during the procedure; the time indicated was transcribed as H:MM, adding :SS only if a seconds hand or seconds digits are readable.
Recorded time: 12:35:30
